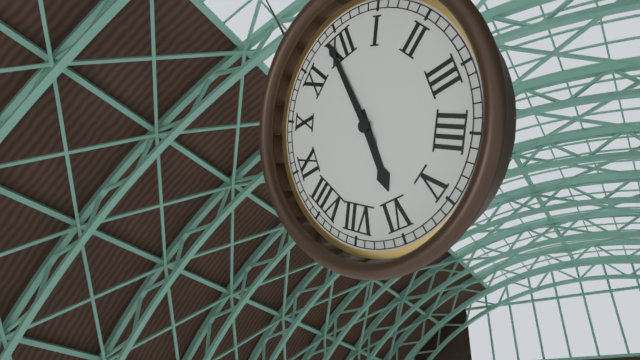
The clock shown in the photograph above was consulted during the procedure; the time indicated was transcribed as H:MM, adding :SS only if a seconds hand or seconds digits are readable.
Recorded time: 5:59
